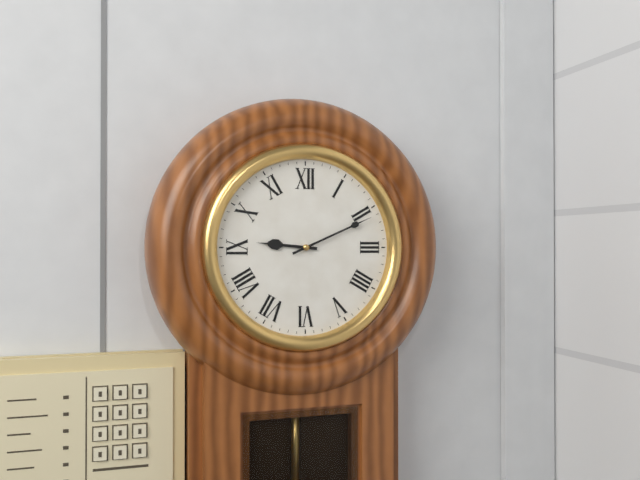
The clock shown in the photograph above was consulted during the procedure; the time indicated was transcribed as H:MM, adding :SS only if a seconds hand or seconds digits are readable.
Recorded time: 9:11
